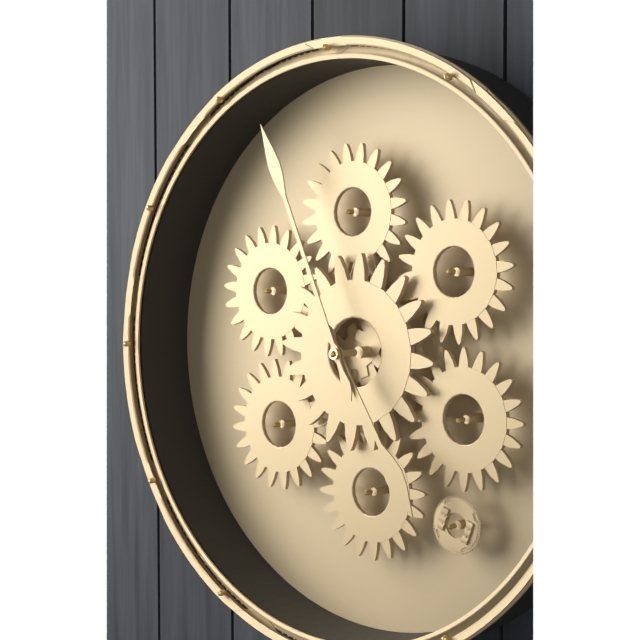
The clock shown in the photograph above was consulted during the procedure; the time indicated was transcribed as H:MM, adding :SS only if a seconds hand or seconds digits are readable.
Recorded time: 4:56
